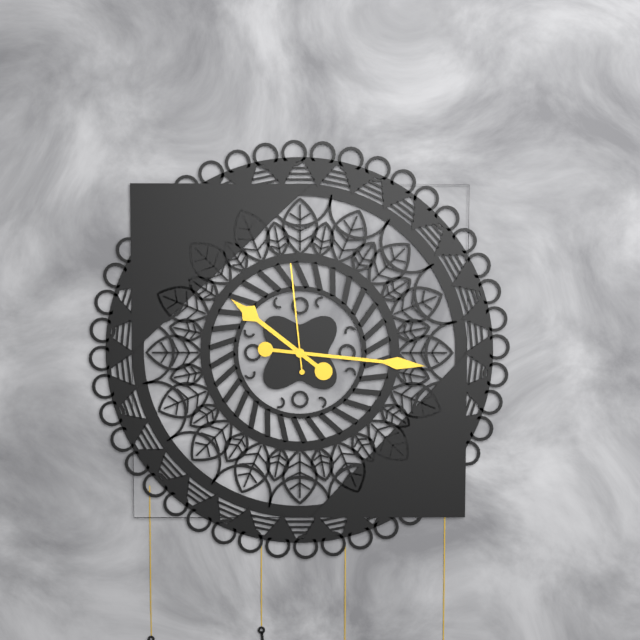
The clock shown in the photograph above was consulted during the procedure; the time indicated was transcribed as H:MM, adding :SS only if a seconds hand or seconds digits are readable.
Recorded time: 10:16:59
